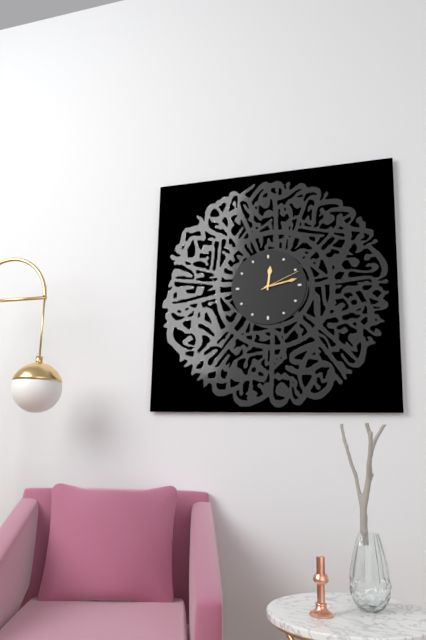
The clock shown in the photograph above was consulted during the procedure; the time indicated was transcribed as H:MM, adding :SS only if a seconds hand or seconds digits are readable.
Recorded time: 12:13
